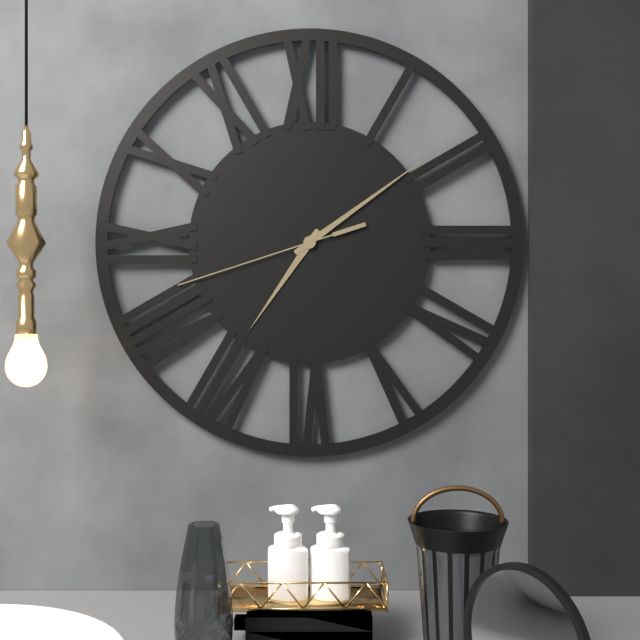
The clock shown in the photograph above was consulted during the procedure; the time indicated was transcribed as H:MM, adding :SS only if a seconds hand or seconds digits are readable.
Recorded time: 7:09:42
